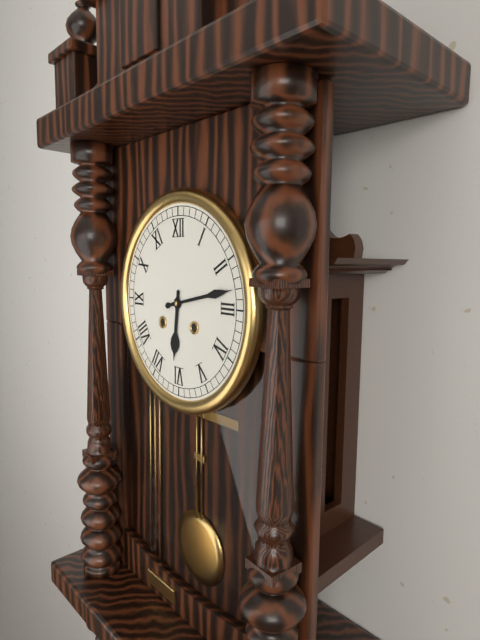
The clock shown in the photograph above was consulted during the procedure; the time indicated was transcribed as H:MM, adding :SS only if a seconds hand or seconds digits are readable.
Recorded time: 6:13
